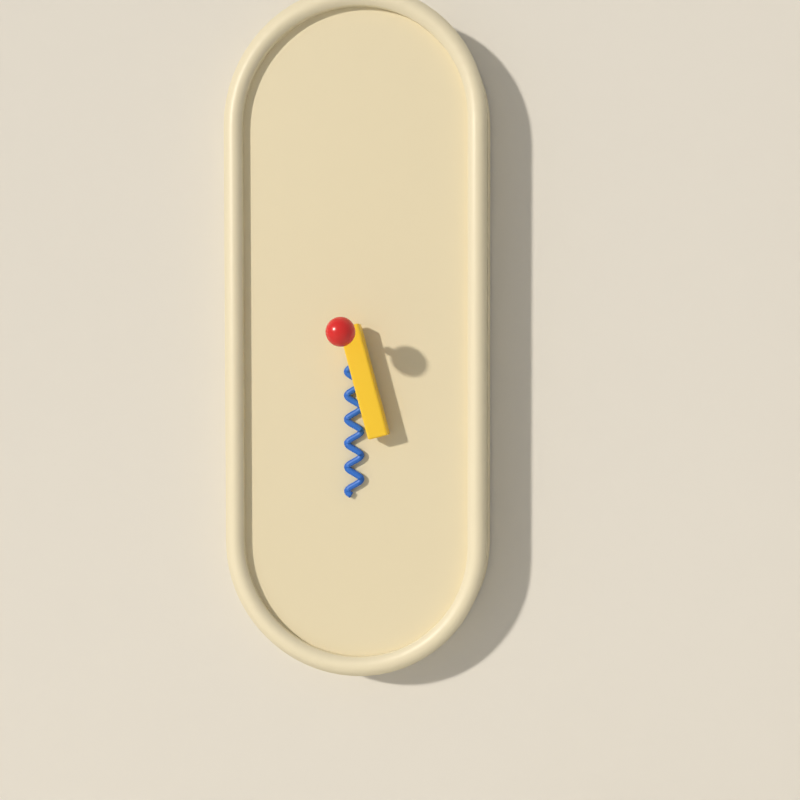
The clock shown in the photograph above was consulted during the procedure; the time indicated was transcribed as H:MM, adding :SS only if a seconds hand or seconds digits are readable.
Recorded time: 5:30
